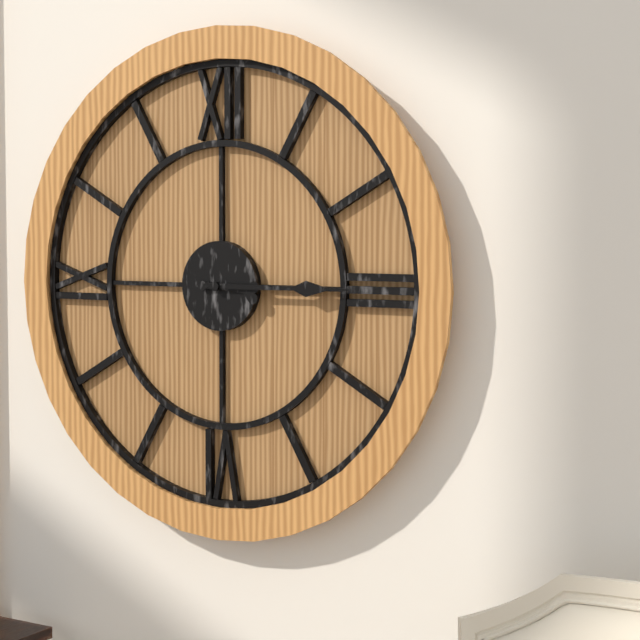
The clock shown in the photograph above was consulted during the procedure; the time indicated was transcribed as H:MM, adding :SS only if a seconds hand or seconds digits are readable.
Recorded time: 3:15
